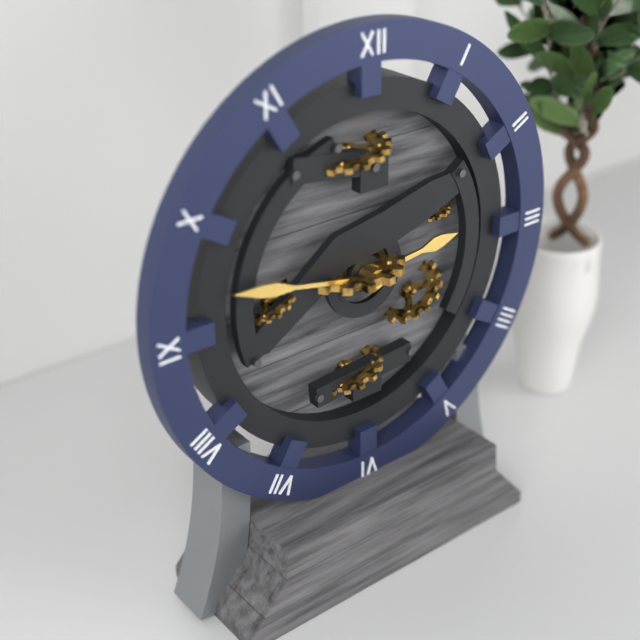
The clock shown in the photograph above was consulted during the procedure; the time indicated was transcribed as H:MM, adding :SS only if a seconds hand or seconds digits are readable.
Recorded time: 2:47
